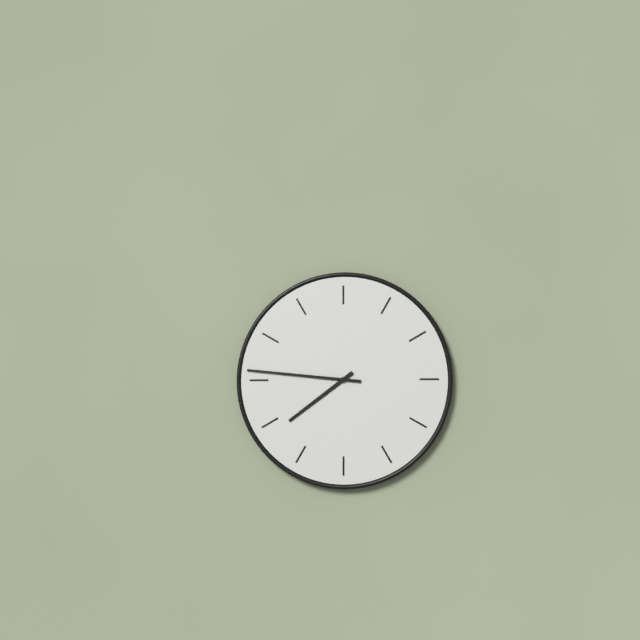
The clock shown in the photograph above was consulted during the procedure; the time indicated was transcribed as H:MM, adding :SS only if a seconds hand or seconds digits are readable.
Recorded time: 7:46
